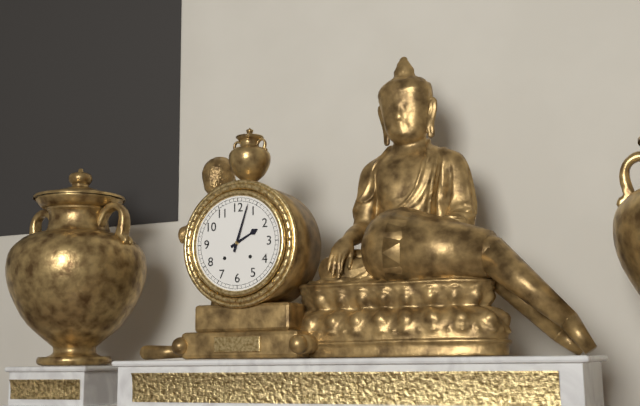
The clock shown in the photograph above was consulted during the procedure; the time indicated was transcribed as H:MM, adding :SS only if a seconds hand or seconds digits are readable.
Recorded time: 2:03
